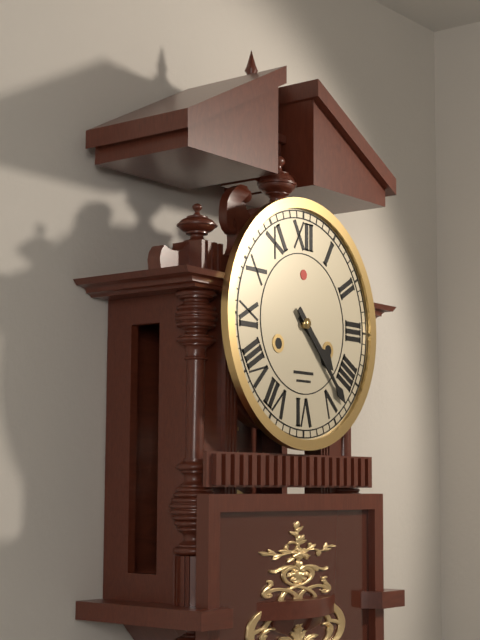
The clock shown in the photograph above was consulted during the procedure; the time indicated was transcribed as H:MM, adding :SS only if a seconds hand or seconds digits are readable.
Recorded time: 4:23
